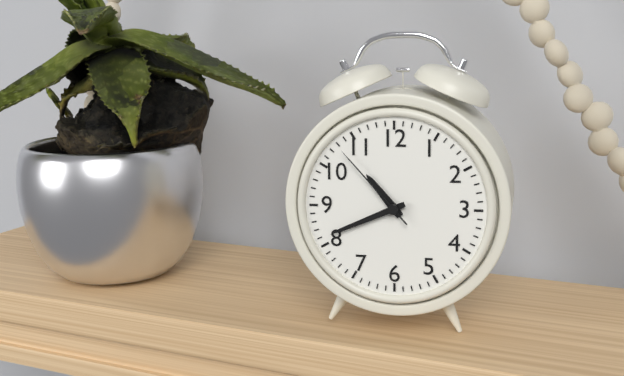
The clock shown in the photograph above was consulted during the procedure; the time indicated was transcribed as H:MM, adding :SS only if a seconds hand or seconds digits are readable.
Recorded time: 10:41:53
